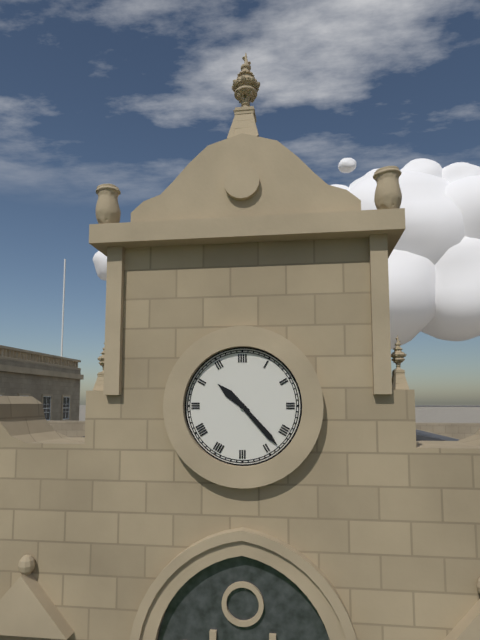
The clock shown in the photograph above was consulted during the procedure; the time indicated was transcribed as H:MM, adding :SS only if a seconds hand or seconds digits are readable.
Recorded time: 10:23
